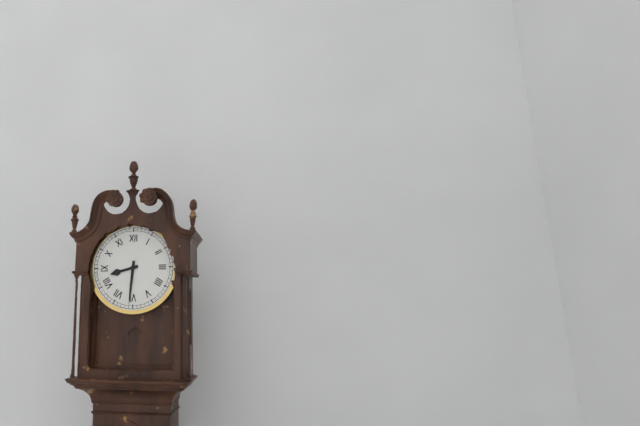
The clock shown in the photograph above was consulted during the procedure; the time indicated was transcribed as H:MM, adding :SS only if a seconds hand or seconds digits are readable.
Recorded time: 8:31
